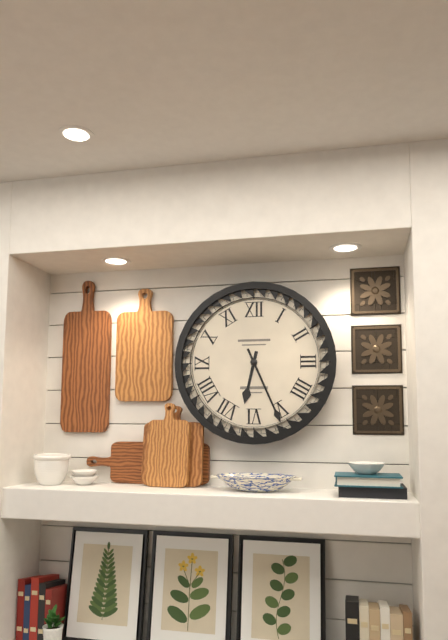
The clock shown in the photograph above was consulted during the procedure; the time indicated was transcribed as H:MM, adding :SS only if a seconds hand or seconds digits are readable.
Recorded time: 6:26
